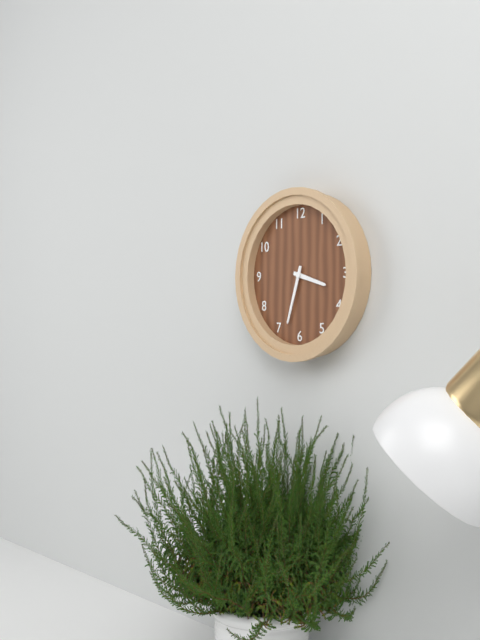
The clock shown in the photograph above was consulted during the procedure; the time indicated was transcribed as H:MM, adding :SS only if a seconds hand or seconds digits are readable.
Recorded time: 3:33
